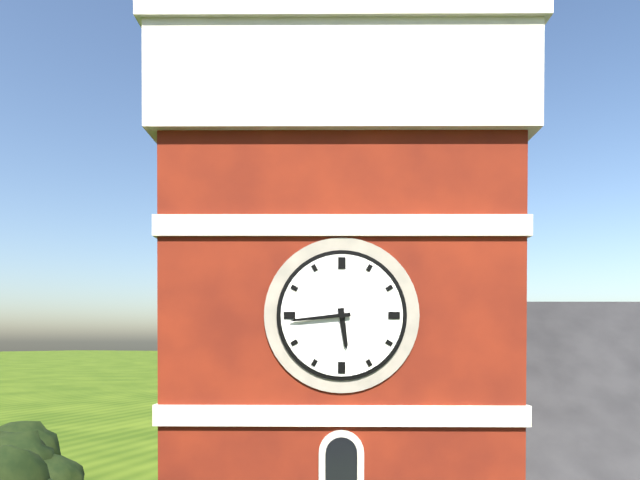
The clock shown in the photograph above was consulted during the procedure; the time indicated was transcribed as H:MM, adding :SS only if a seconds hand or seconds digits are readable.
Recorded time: 5:44
